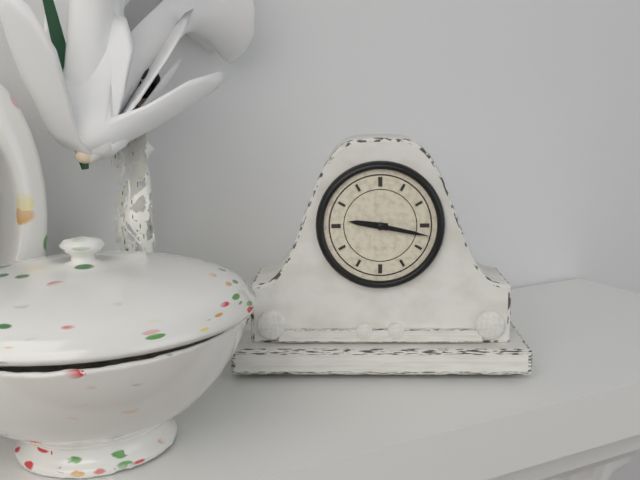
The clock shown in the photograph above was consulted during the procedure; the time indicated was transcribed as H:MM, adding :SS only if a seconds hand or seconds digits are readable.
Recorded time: 9:17
